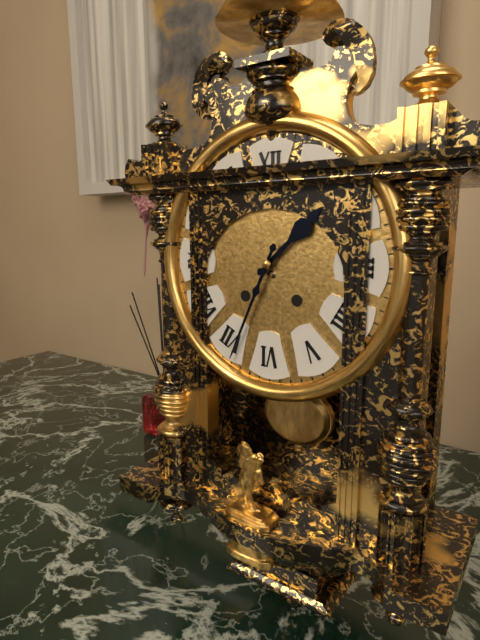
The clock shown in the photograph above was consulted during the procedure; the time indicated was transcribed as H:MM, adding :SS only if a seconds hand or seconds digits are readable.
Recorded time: 1:34
